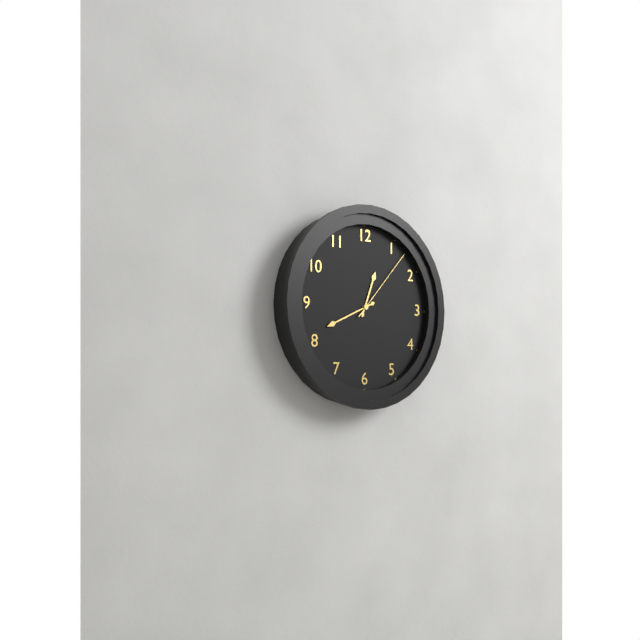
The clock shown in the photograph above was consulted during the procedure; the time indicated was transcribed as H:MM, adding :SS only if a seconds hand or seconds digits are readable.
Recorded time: 12:41:07
